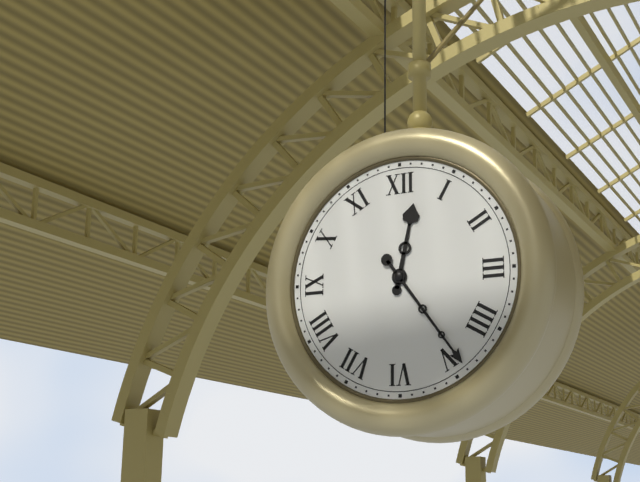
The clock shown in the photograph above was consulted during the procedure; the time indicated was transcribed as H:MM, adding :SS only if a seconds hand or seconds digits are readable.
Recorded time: 12:24
